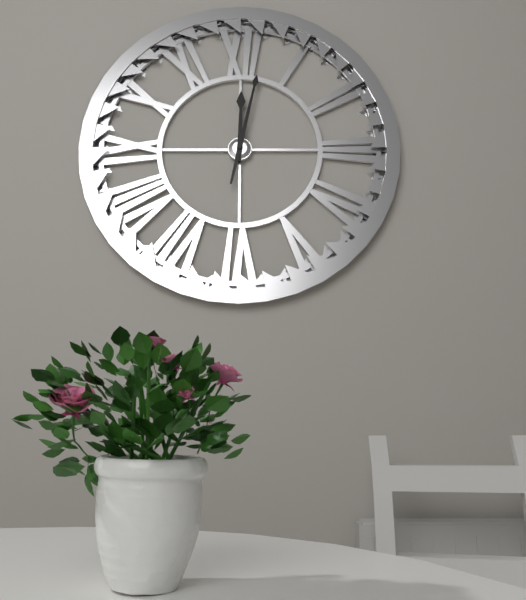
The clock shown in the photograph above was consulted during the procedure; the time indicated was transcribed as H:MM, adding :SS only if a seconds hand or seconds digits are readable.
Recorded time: 12:02
